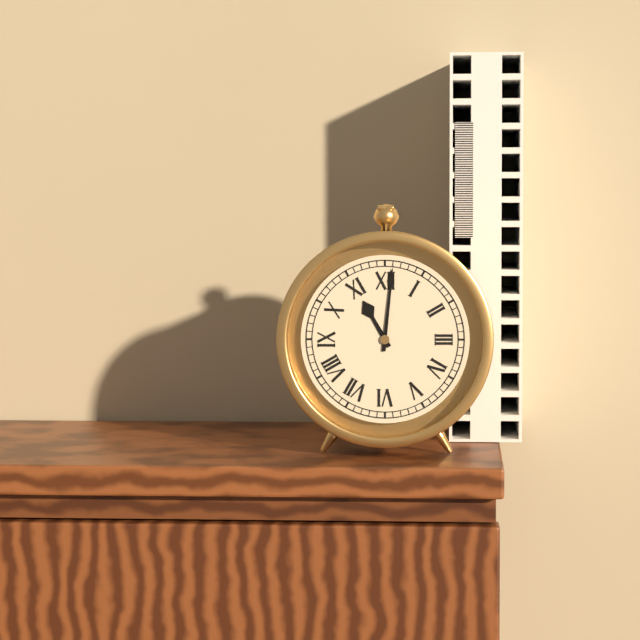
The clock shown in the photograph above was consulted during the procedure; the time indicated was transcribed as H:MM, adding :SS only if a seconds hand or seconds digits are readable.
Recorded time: 11:01
